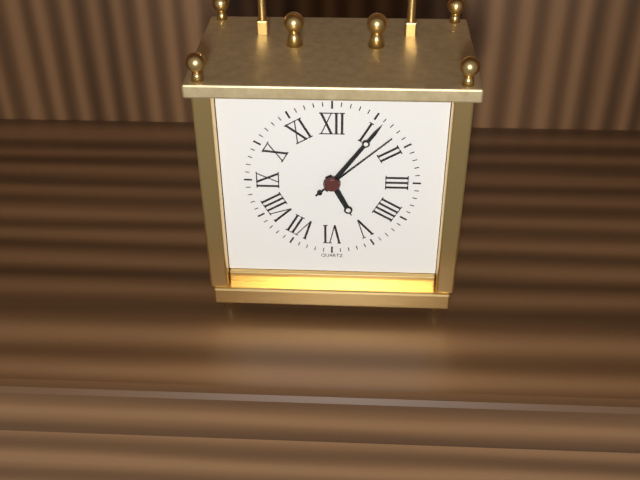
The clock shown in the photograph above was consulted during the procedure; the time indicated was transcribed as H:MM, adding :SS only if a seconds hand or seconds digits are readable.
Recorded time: 5:06:08
